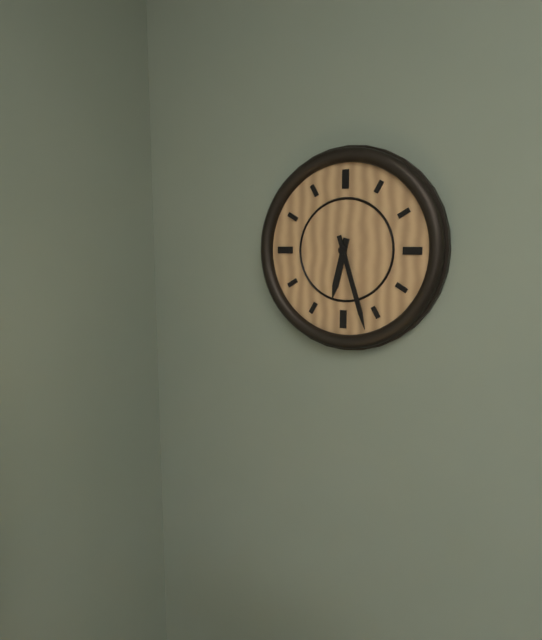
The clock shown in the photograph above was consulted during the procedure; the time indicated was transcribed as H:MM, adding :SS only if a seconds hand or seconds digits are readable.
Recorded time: 6:27
